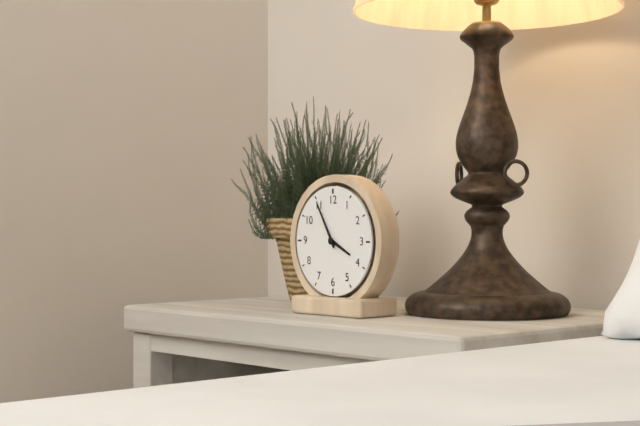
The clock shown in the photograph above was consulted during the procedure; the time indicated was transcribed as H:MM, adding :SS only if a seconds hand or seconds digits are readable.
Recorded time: 3:55
